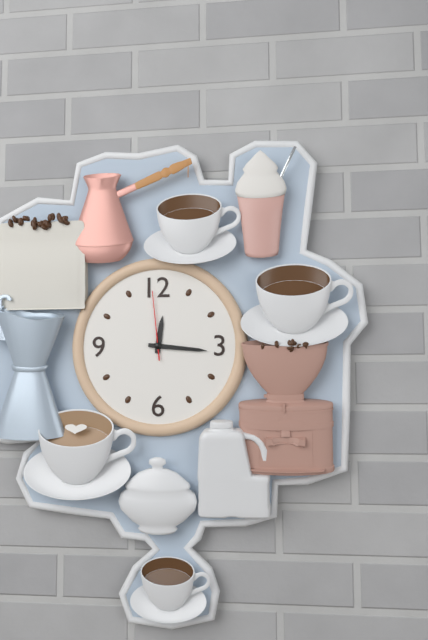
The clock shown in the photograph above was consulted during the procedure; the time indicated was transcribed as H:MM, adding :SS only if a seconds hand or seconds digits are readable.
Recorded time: 12:16:59
